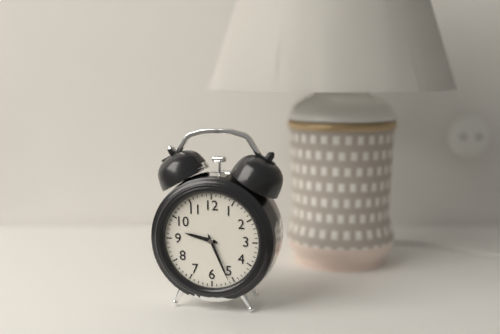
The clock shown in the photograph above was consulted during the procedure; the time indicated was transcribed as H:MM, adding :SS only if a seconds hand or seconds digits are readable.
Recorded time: 9:26
